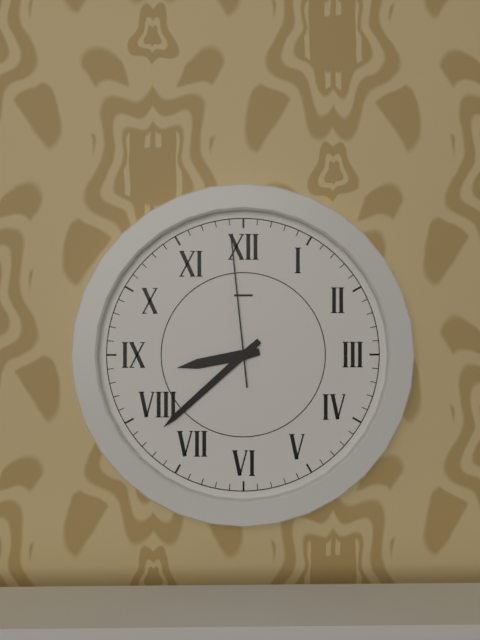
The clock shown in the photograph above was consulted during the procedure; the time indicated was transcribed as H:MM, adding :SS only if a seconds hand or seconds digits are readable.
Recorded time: 8:38:59
